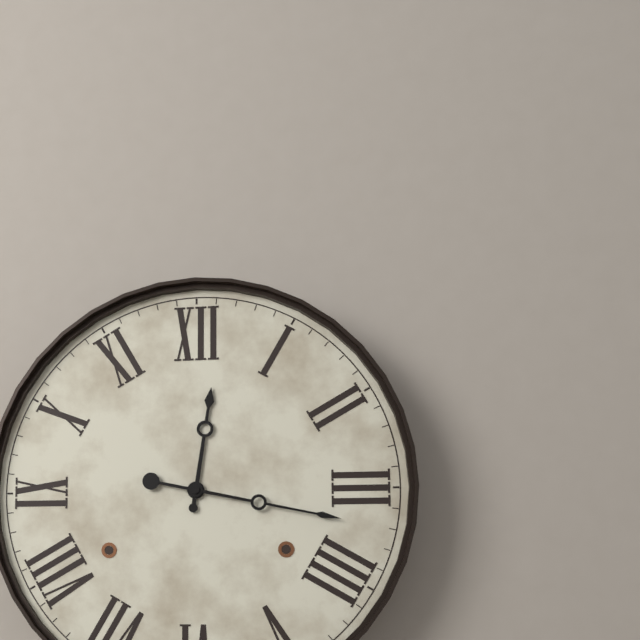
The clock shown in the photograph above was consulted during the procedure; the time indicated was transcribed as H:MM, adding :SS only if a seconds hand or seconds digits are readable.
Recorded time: 12:17
